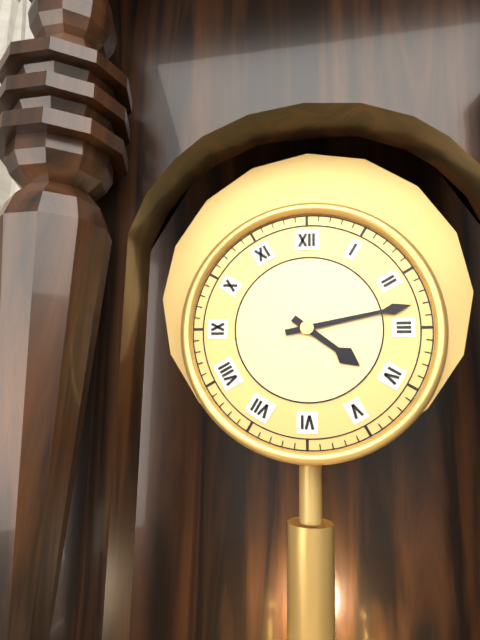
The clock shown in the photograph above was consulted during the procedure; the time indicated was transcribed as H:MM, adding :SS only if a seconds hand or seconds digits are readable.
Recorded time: 4:13
